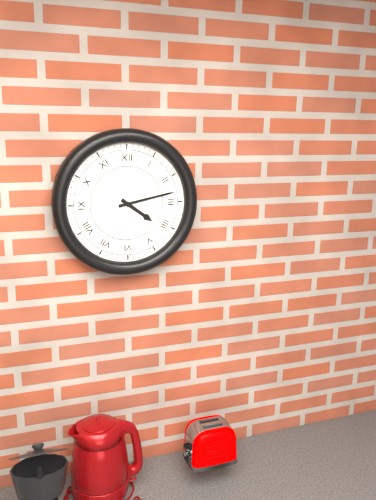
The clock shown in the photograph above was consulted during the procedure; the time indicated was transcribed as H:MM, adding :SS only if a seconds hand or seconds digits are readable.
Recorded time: 4:13
